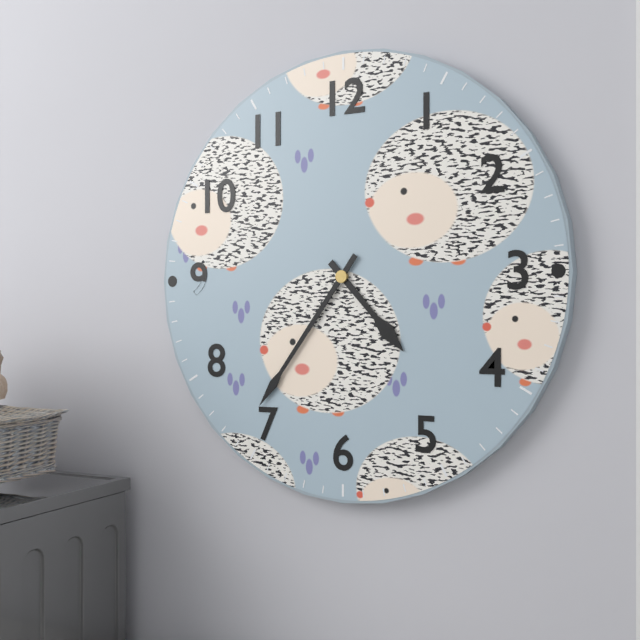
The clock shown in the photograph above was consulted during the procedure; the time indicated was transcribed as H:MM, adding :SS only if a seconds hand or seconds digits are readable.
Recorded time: 4:36
